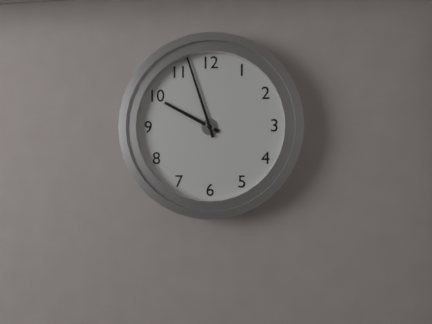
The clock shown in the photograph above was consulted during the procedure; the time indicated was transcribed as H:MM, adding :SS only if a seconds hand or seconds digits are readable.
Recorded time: 9:57
